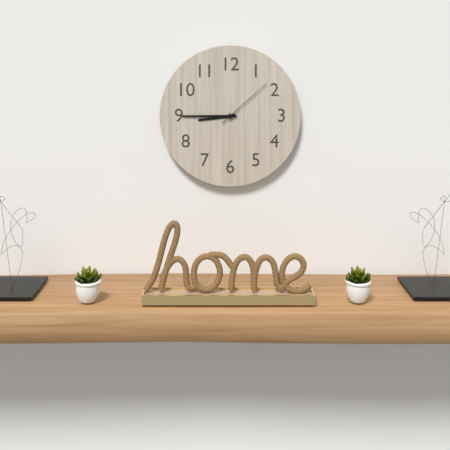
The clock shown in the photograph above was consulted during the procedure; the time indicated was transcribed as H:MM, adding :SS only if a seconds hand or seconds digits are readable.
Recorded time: 8:45:08
